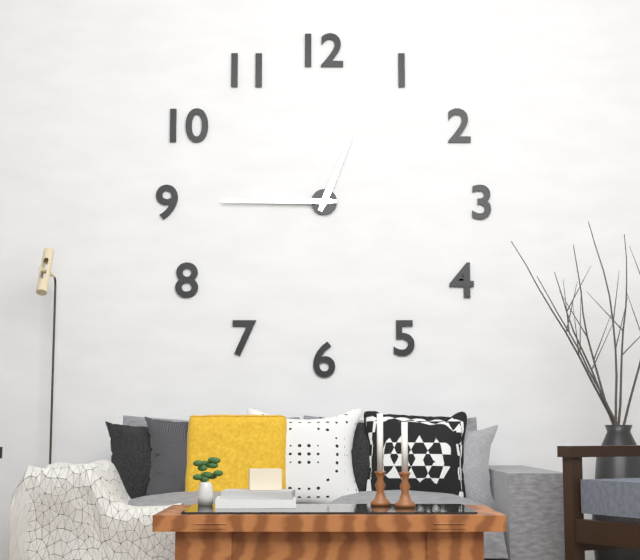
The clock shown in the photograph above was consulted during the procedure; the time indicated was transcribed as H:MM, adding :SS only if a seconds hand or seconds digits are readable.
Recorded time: 12:45
